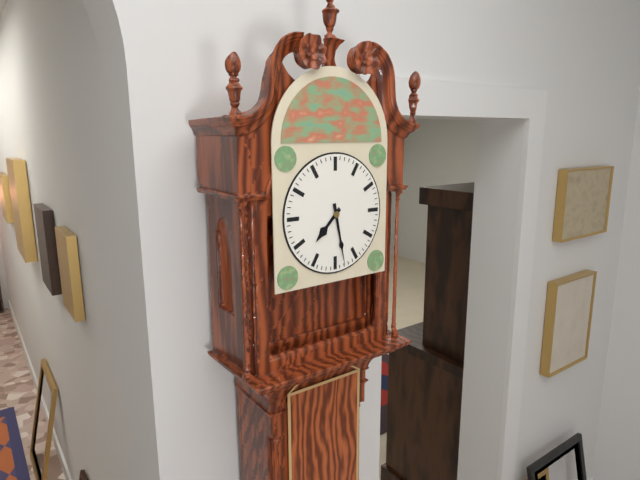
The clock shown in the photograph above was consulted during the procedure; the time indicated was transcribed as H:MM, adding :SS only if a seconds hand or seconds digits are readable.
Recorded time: 7:28
